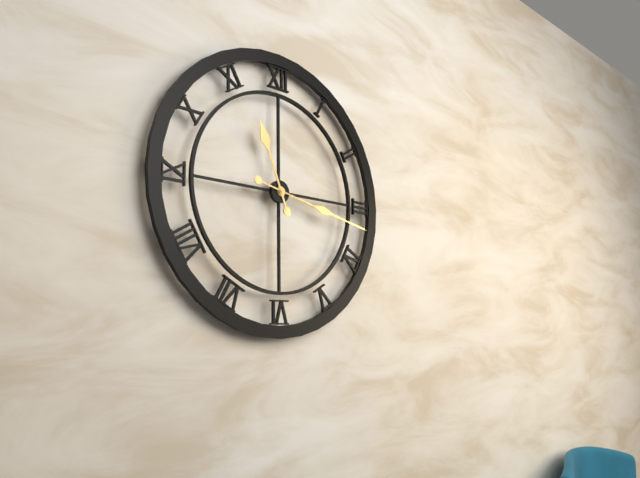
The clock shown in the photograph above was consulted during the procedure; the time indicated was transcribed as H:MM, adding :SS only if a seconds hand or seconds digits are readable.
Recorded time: 11:17
